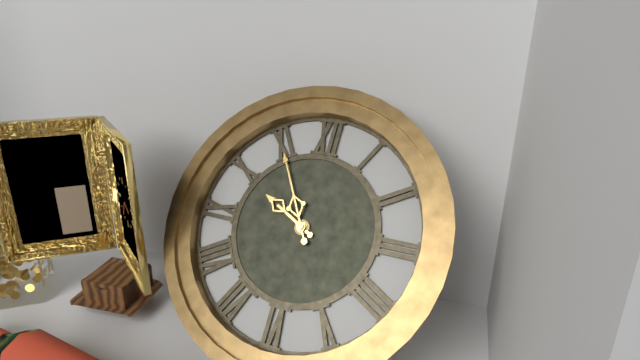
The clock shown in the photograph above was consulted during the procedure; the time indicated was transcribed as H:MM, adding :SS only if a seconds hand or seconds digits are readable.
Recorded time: 9:55
